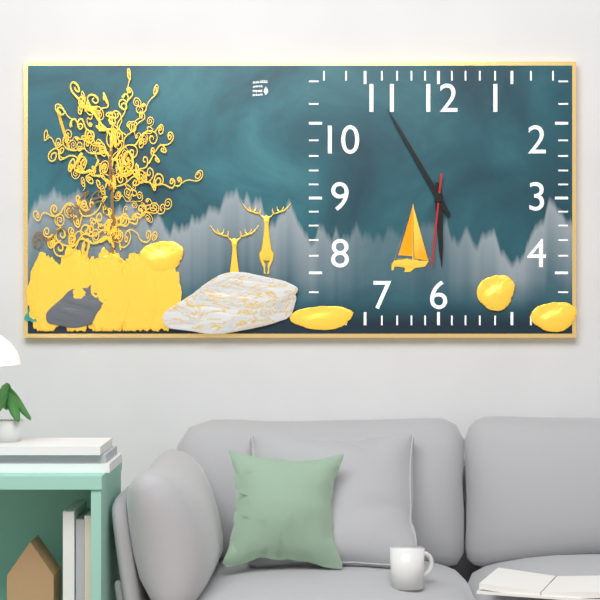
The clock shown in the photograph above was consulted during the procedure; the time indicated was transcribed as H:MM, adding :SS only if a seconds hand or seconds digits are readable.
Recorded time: 5:55:31
